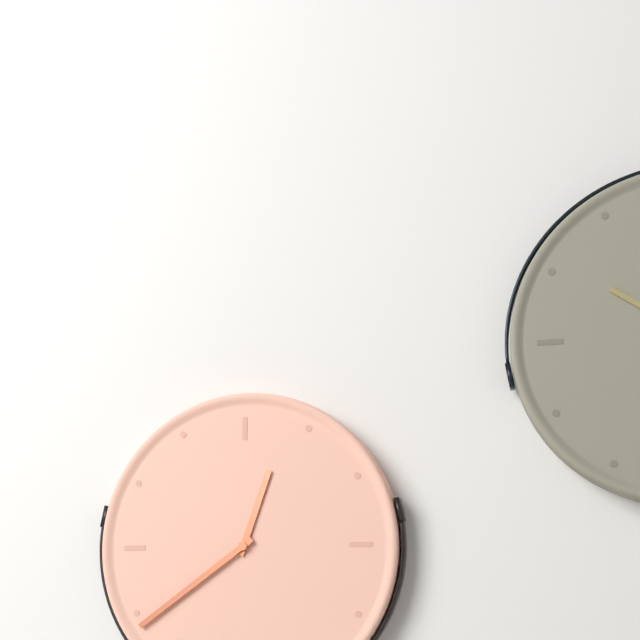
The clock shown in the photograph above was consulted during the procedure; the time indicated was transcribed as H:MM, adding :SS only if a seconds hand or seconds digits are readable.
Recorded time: 12:39
